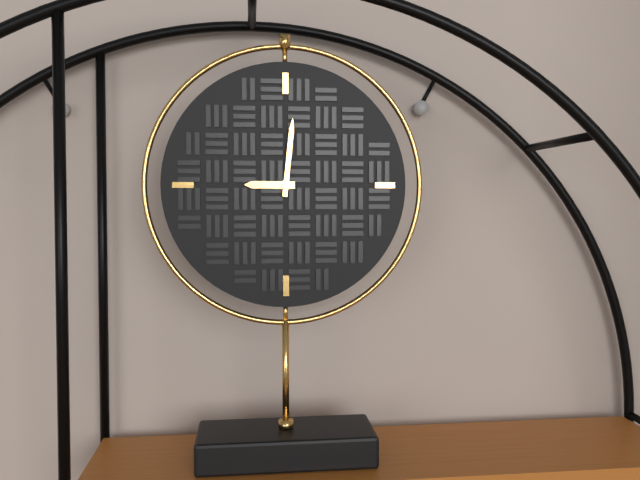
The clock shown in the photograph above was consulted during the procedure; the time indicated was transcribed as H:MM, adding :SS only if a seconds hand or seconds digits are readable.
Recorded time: 9:01
